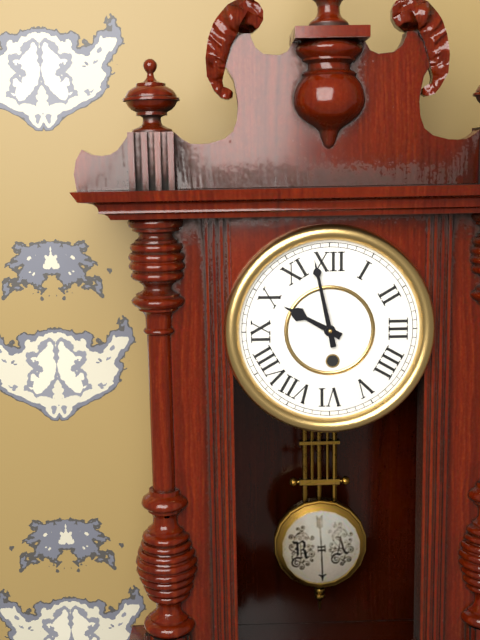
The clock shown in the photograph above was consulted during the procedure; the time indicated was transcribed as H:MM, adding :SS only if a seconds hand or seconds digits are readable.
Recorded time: 9:58
